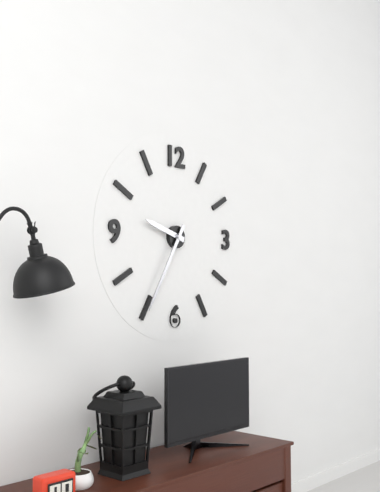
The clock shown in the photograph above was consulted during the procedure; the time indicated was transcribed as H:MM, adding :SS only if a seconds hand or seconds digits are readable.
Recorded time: 9:35
